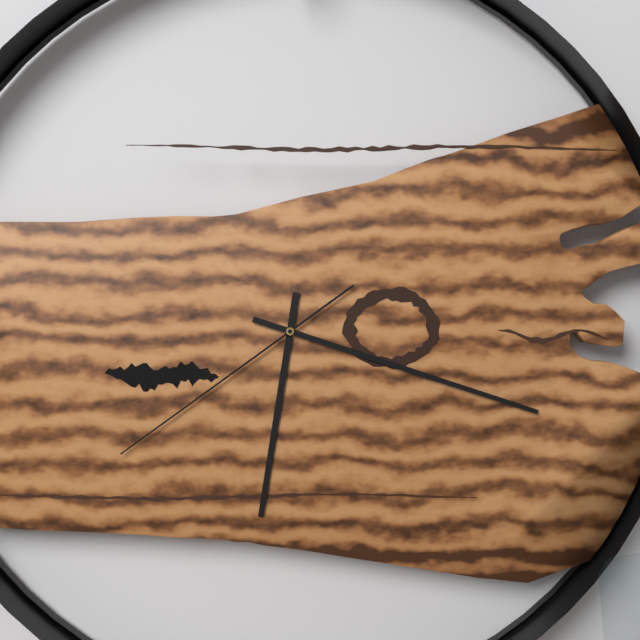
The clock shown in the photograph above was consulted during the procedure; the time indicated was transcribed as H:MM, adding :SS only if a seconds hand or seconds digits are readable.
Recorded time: 6:18:39
